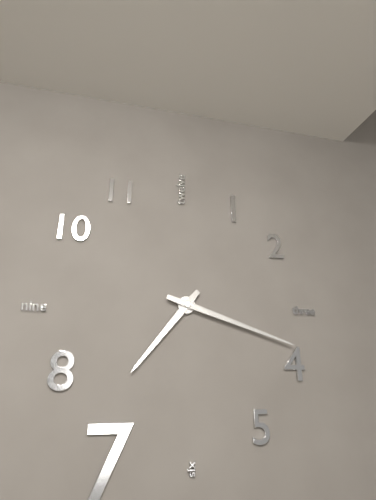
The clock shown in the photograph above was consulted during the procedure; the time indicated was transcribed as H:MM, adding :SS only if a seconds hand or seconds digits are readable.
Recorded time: 7:18
